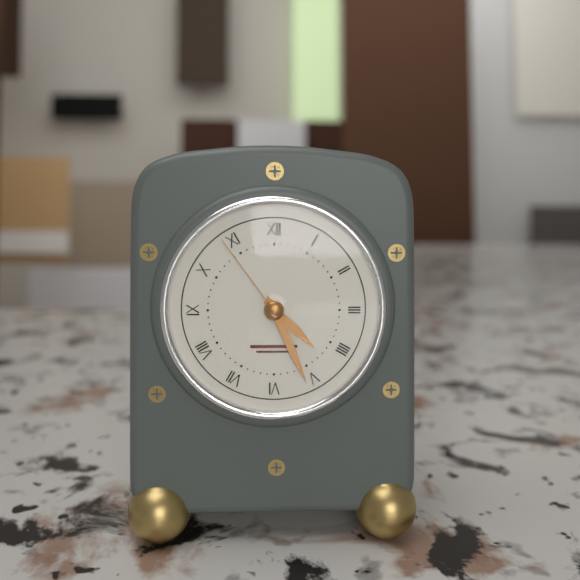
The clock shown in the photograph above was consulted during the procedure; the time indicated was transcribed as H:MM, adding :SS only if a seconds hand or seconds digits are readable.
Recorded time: 4:26:54
